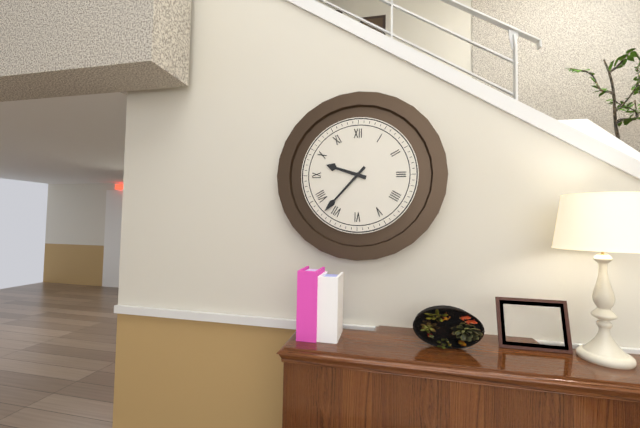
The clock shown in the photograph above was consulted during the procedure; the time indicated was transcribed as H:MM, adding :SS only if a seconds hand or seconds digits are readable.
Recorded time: 9:37
